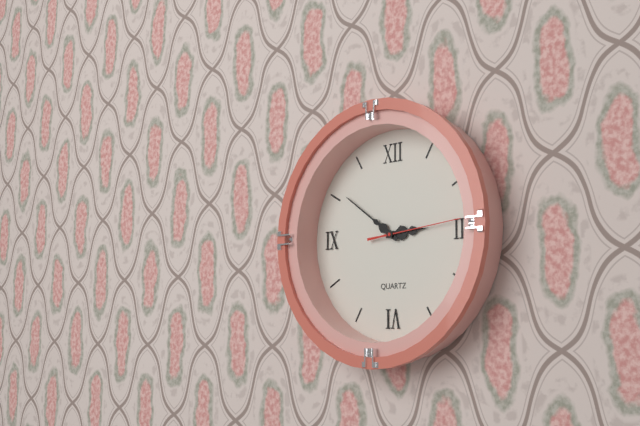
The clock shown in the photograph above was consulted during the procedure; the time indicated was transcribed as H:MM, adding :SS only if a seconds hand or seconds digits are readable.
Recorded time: 2:51:14
